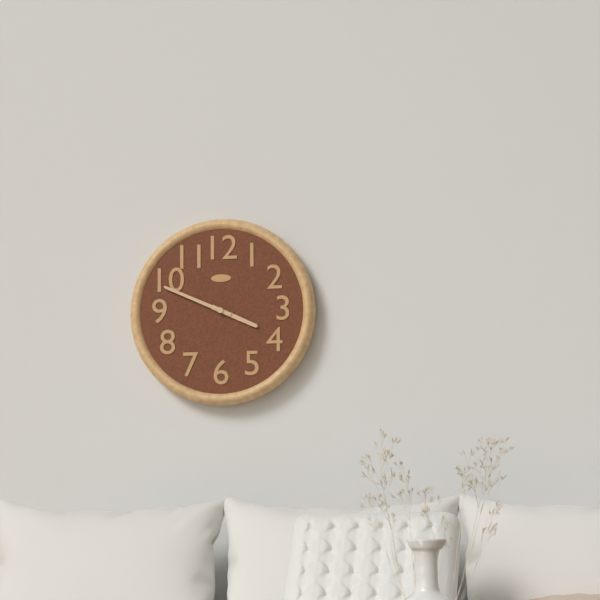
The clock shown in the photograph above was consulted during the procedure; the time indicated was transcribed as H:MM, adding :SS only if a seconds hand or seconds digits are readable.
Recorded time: 3:49
